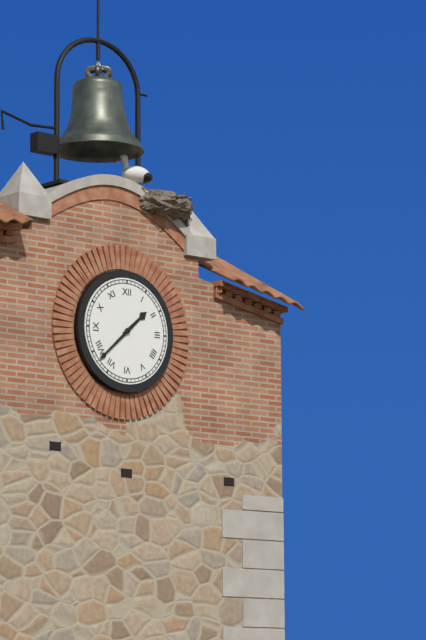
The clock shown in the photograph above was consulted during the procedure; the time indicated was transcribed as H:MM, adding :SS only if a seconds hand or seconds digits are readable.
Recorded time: 1:38
